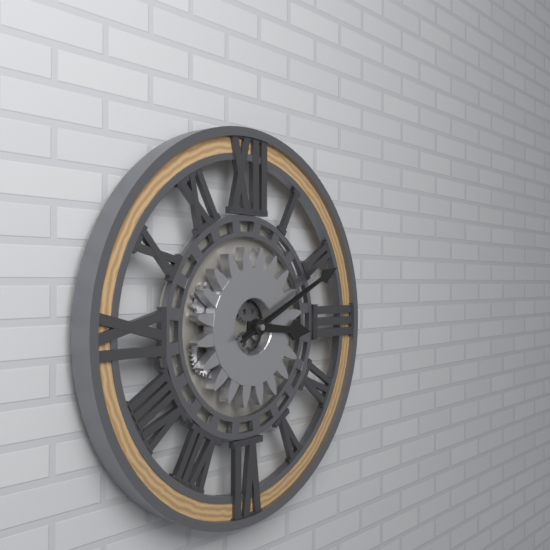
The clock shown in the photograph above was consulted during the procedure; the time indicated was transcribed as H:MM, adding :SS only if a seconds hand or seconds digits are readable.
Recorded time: 3:11:11
